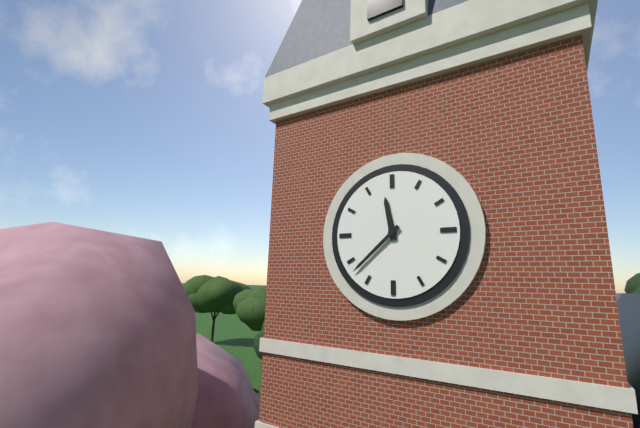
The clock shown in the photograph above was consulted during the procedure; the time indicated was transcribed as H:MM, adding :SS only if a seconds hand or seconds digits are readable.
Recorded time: 11:38
